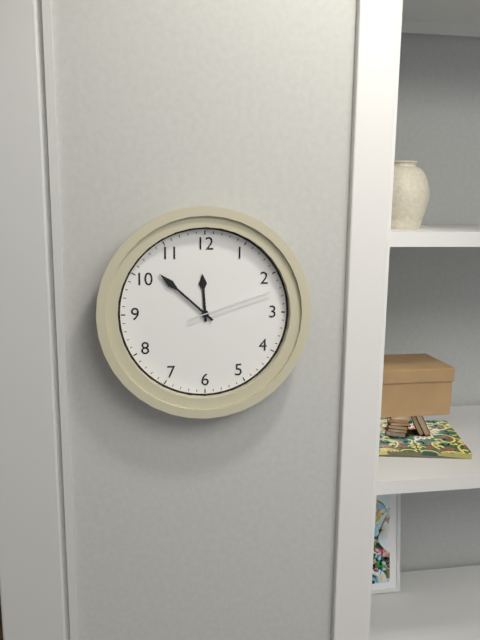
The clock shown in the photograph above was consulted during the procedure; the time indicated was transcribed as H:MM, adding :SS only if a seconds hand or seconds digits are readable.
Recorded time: 11:52:12
